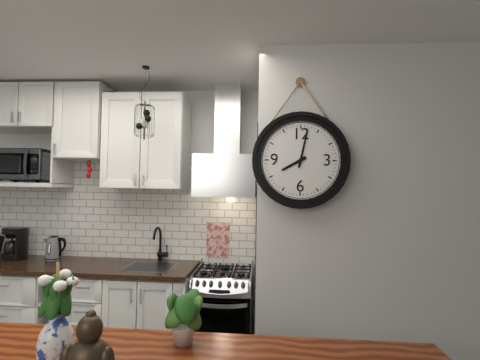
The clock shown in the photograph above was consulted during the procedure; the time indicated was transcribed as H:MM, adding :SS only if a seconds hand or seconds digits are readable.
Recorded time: 8:02
